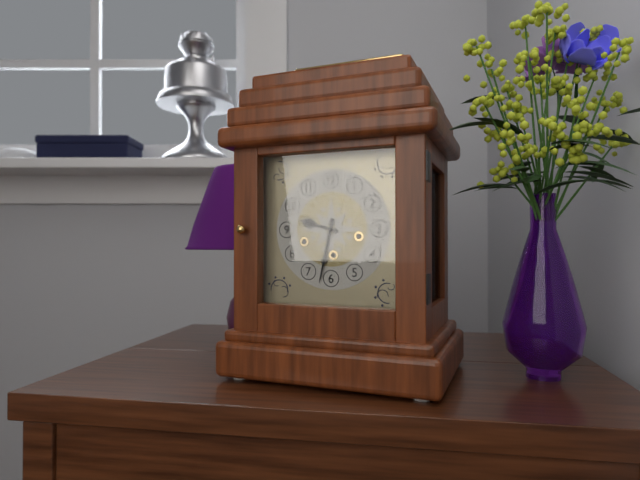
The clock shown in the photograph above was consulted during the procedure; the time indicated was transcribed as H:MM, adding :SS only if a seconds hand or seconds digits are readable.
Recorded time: 9:32
